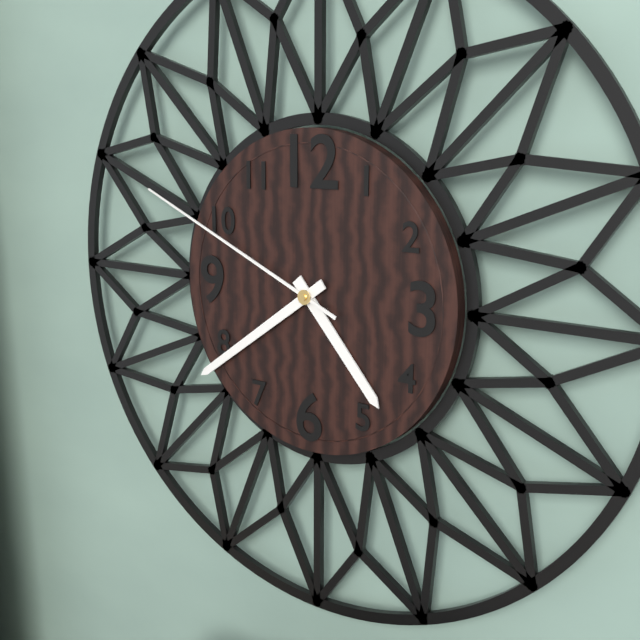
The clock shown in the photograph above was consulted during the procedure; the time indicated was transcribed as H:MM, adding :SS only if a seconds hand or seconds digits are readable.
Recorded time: 4:39:49
